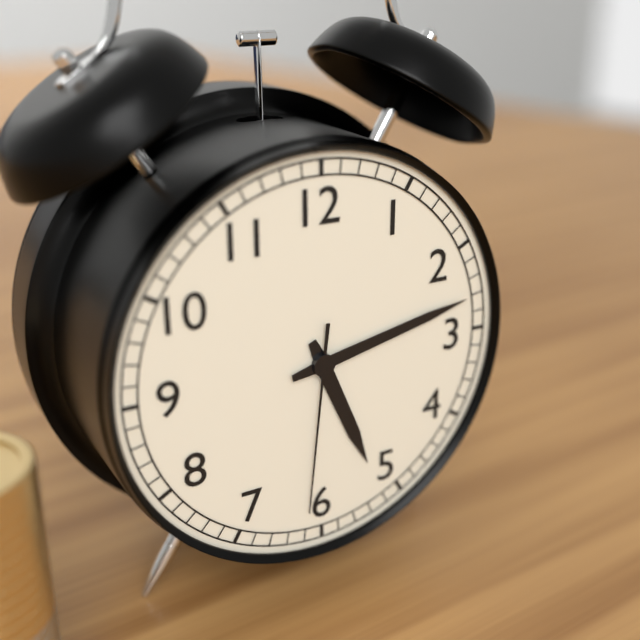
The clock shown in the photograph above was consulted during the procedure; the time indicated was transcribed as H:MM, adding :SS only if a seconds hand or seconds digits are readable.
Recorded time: 5:13:31
